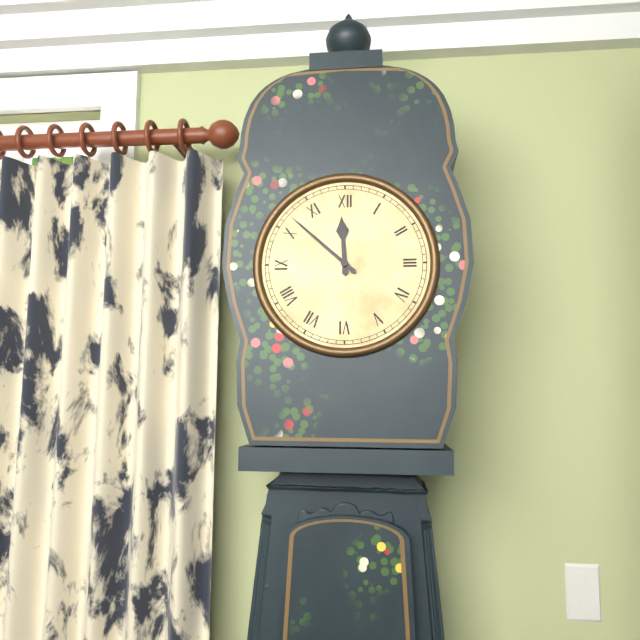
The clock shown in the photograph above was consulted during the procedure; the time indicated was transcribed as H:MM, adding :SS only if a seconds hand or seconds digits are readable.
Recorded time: 11:52
